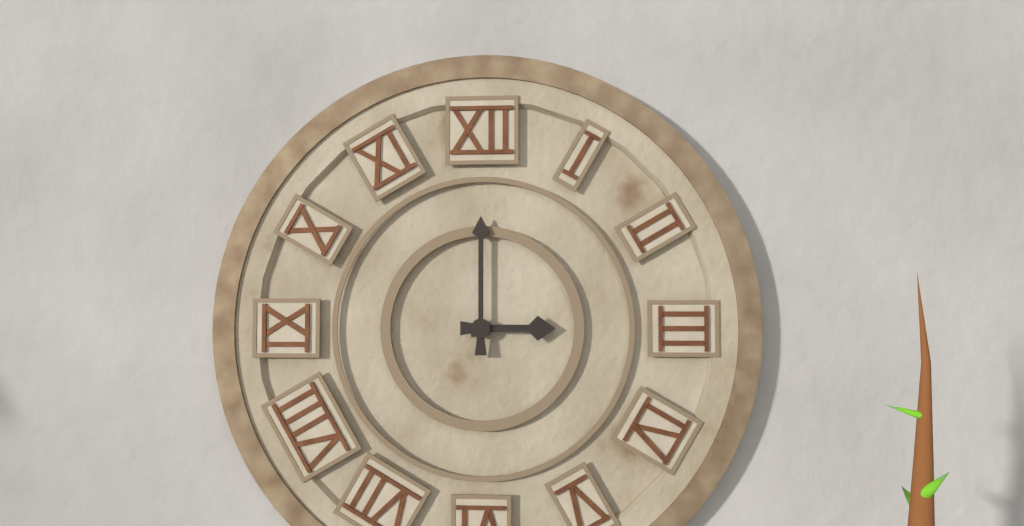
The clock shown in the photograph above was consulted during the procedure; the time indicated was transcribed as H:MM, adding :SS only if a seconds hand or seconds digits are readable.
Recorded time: 3:00
